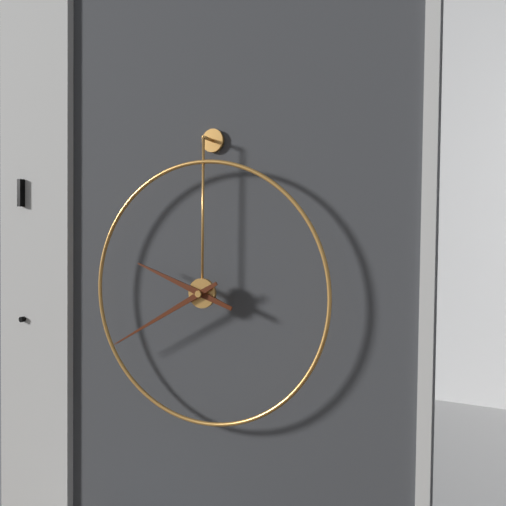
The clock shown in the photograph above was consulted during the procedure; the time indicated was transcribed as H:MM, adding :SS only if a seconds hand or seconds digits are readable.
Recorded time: 9:40
